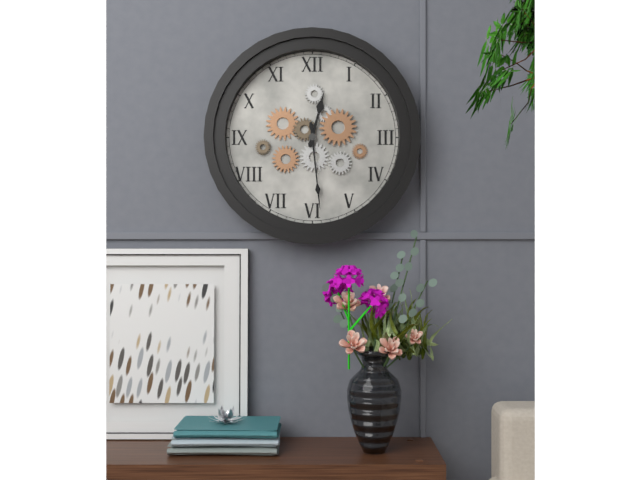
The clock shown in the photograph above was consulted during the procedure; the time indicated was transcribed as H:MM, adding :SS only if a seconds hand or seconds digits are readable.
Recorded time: 12:29
